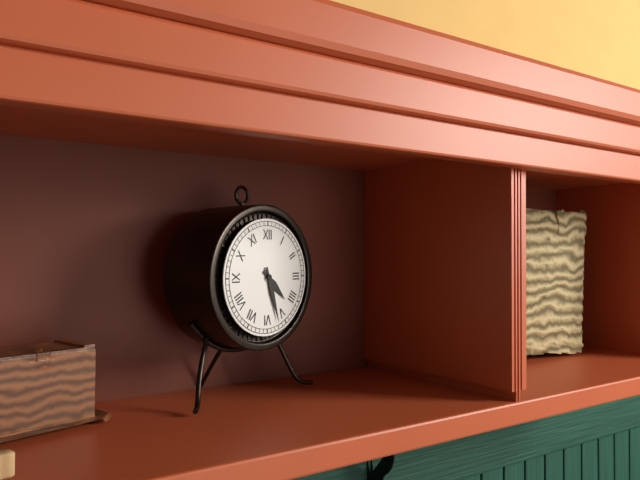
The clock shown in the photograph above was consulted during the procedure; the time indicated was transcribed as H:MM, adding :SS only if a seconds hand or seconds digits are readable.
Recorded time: 4:27
